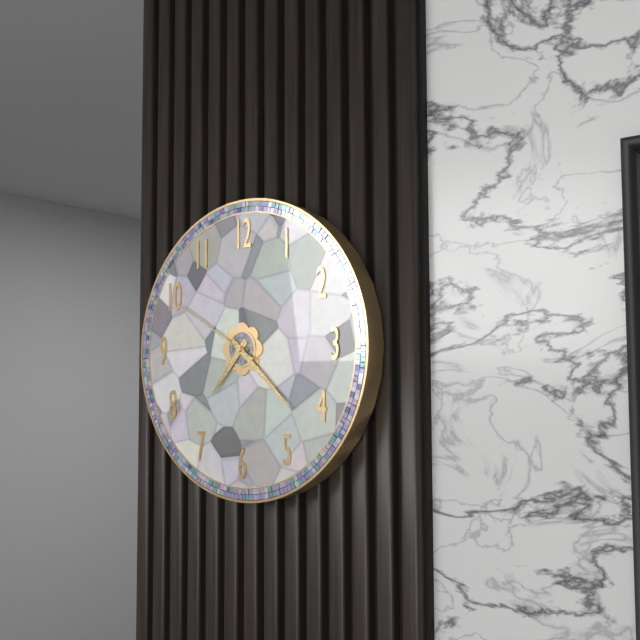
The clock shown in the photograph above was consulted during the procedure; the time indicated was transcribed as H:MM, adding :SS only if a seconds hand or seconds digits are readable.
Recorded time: 7:22:50
